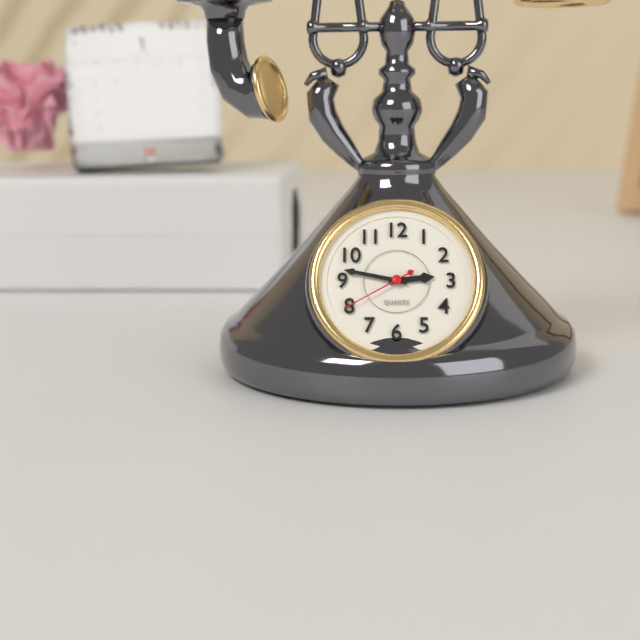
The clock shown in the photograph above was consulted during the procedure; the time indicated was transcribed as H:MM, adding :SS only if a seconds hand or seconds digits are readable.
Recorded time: 2:47:40
